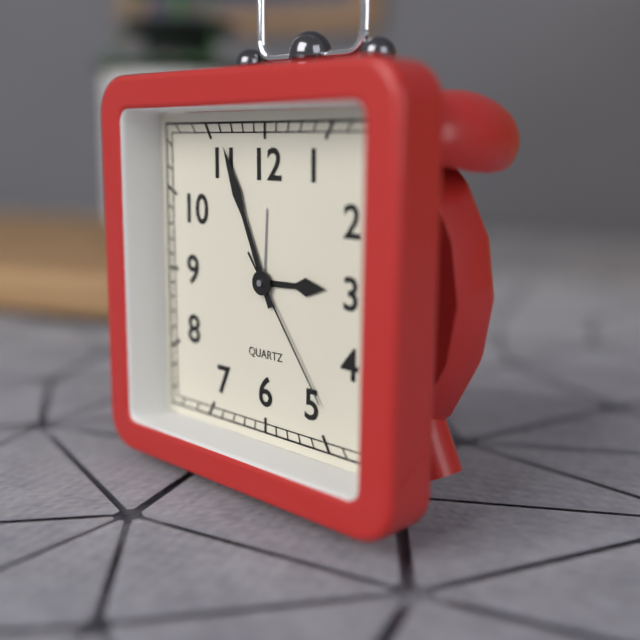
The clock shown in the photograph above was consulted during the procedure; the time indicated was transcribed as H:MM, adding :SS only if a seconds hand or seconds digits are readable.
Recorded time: 2:56:24
